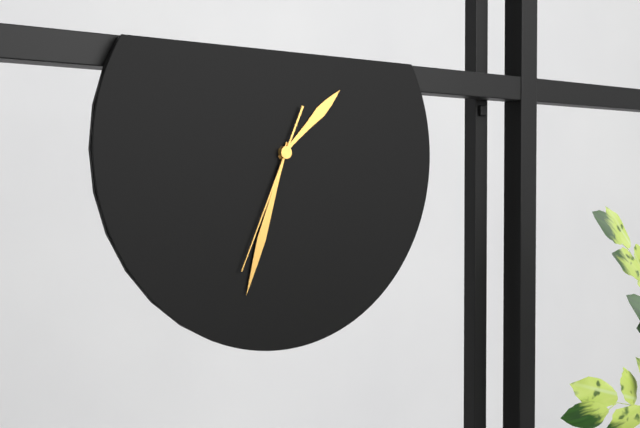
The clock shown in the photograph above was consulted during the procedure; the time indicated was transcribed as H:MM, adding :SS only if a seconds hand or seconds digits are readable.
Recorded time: 1:33:34
